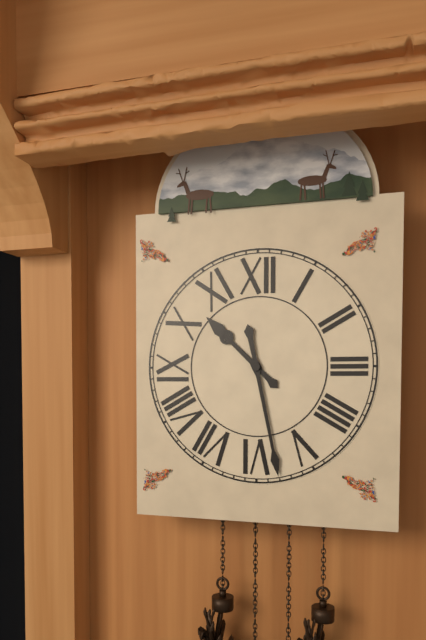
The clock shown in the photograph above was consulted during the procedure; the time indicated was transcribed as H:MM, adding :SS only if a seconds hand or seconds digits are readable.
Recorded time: 10:28
